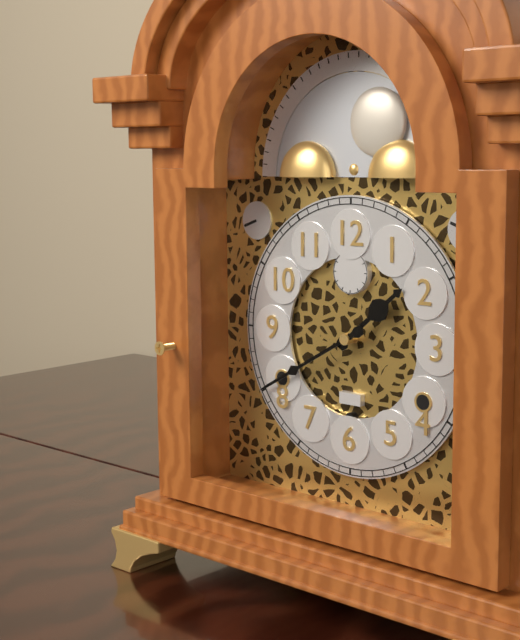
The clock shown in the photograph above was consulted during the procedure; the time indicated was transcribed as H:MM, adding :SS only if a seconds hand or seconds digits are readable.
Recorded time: 1:40
